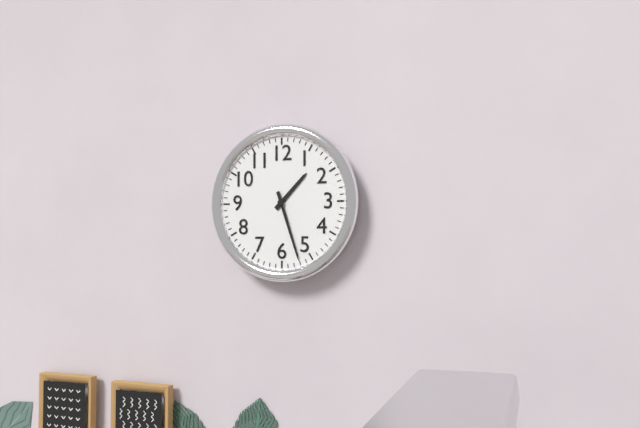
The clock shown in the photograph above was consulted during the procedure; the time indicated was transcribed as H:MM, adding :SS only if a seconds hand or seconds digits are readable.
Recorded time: 1:27
